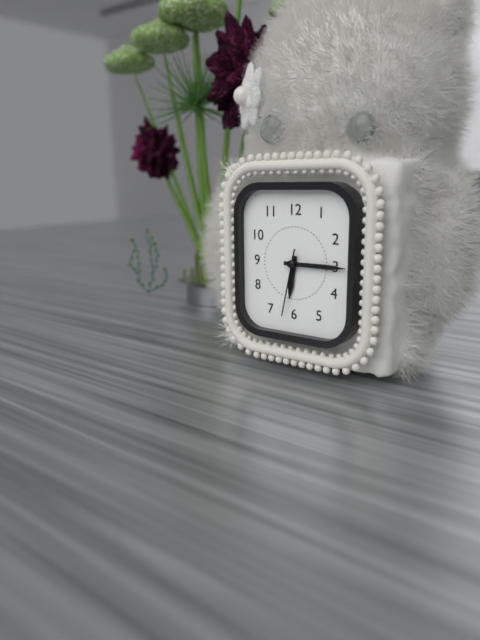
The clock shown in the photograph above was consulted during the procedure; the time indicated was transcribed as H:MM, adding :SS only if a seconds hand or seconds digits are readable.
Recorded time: 6:15:32
